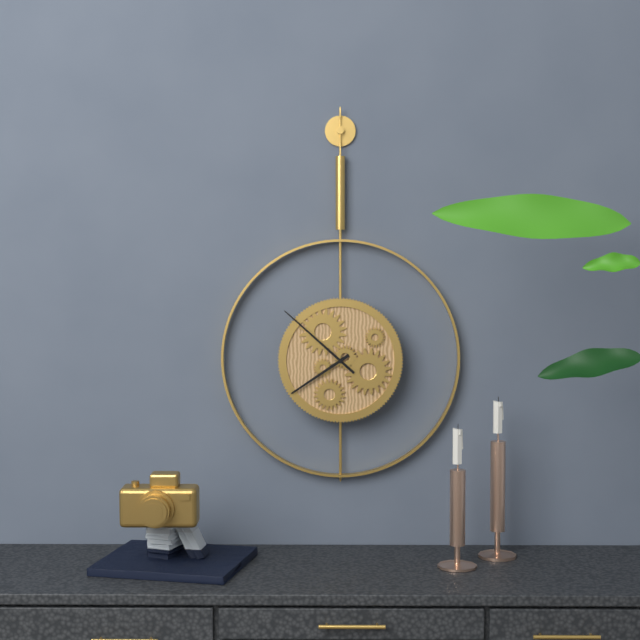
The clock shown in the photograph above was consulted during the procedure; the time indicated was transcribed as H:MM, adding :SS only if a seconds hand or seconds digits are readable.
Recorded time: 7:52
